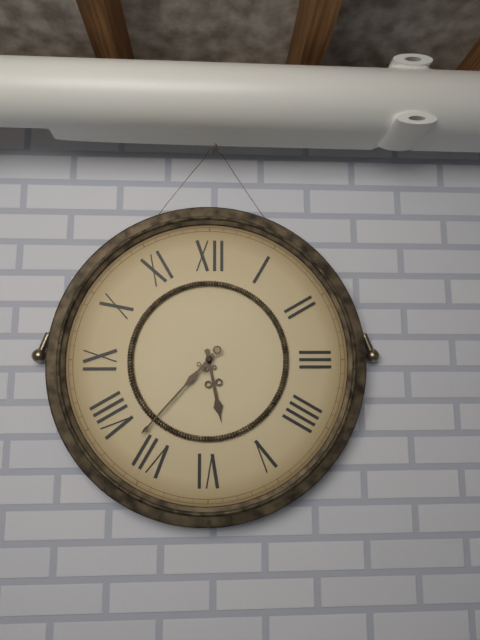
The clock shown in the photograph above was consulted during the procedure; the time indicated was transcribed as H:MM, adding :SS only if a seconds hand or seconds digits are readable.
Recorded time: 5:37
